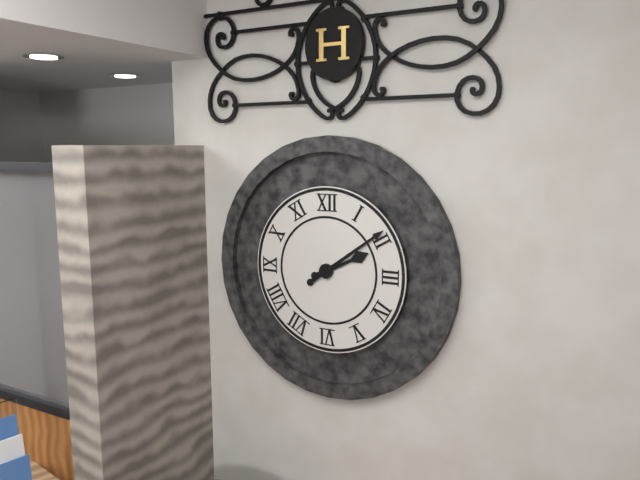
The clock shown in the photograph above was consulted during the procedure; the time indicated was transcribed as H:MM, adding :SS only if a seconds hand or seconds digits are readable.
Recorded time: 2:09
